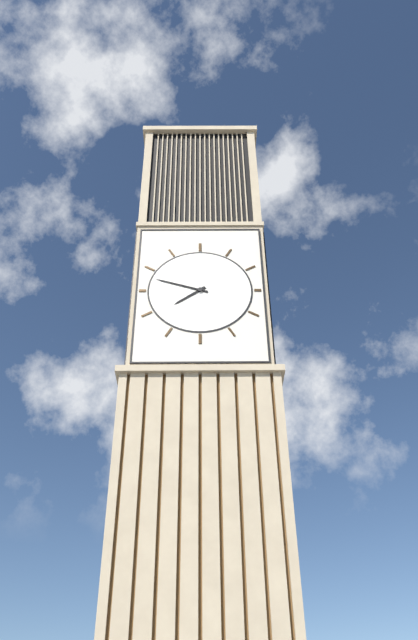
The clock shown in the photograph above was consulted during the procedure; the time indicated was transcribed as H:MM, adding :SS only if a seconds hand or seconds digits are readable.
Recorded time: 7:48
